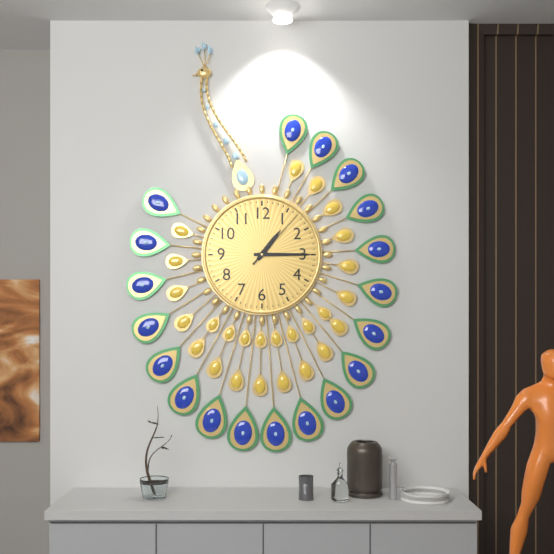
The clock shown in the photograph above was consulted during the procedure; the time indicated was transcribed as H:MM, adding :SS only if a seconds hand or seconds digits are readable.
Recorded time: 1:15:07
